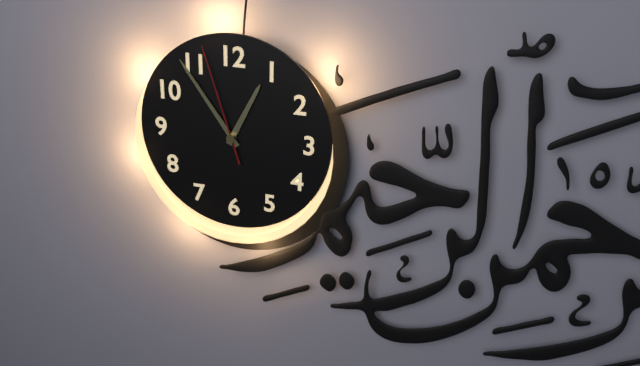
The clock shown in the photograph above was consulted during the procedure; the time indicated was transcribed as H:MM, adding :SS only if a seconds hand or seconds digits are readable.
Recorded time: 12:54:57
